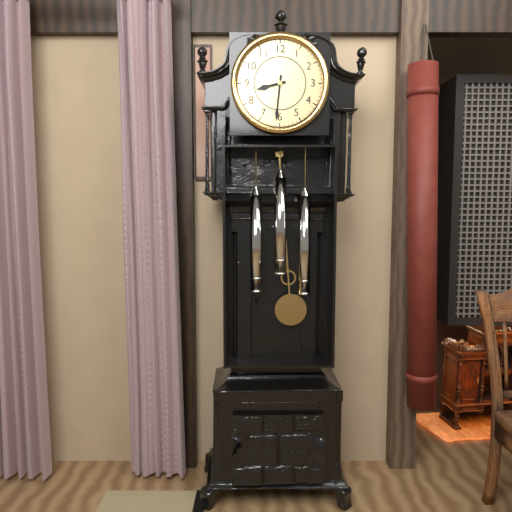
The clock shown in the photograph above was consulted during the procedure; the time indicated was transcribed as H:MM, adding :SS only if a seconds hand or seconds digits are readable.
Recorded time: 8:31
